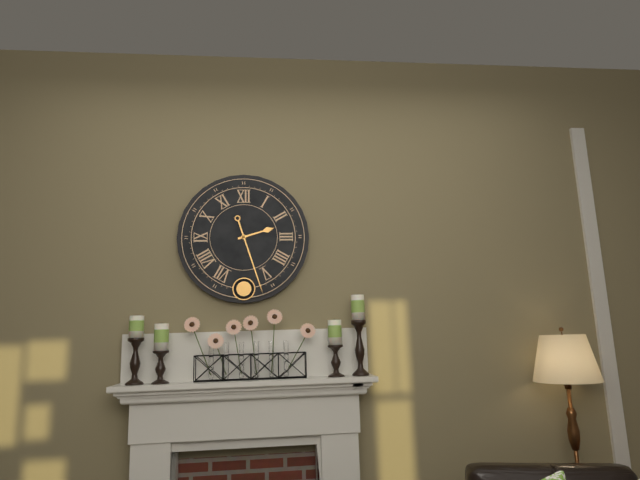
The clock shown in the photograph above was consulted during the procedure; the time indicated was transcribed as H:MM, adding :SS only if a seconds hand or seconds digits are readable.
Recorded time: 2:27
